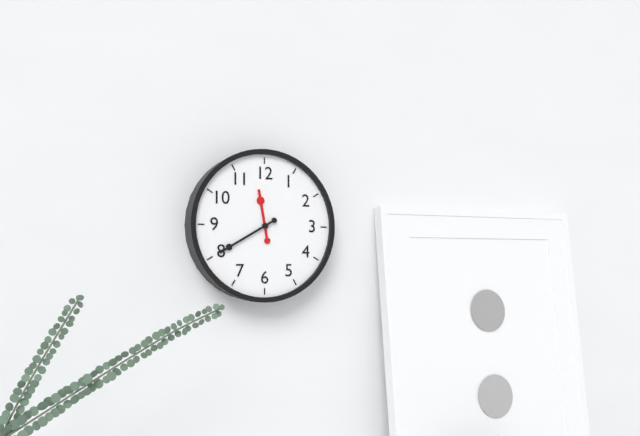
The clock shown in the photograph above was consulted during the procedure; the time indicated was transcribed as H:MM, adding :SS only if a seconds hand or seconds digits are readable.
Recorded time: 11:40
